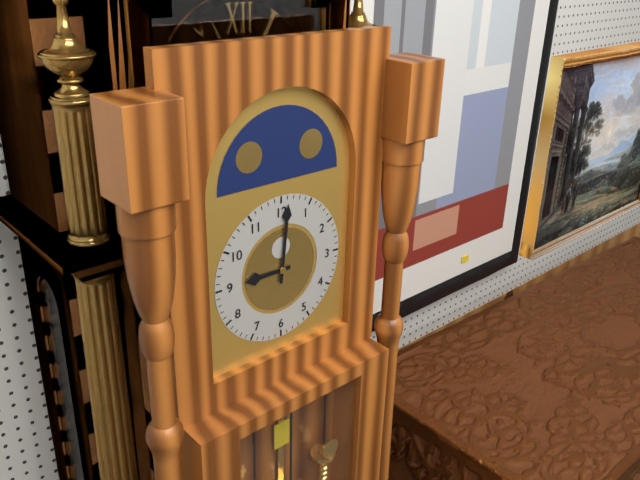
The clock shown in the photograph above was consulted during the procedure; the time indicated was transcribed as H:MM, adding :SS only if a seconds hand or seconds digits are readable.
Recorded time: 9:01
